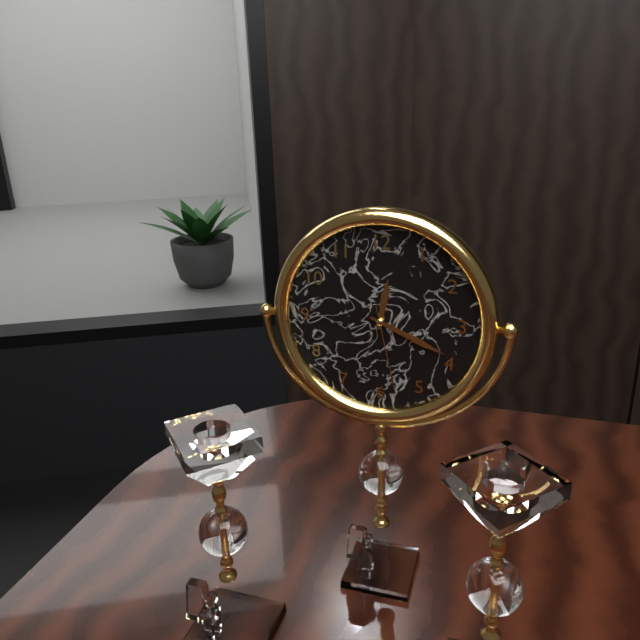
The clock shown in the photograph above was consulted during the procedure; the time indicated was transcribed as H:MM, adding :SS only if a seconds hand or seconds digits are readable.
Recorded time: 12:19:28
